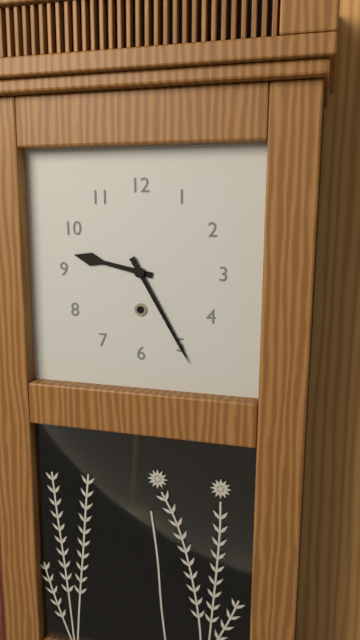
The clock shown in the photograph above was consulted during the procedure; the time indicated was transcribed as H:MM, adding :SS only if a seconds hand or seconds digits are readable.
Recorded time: 9:25
